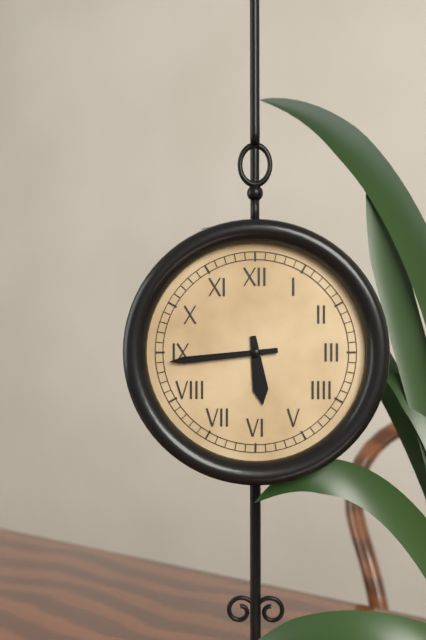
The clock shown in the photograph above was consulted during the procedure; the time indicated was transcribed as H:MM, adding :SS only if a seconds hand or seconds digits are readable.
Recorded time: 5:44
